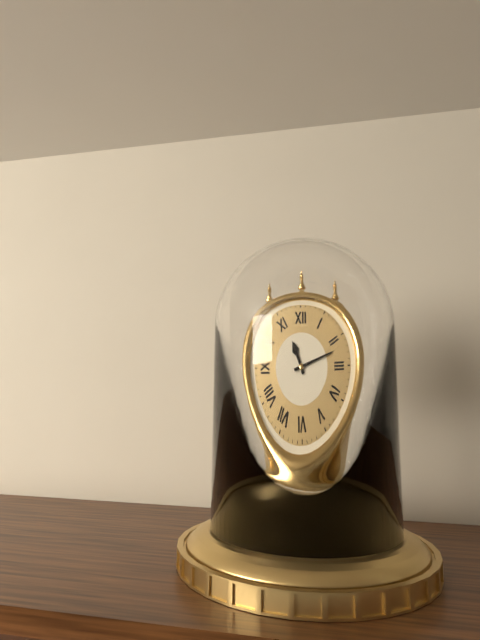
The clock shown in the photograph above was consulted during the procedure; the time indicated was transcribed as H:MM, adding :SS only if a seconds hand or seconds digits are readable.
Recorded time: 11:12
